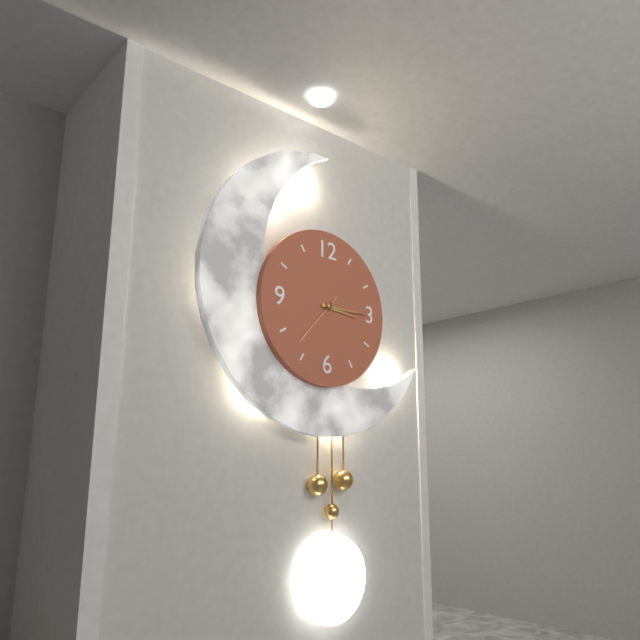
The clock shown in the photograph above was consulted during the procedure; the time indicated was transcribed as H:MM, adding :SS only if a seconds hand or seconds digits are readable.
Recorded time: 3:15:37
